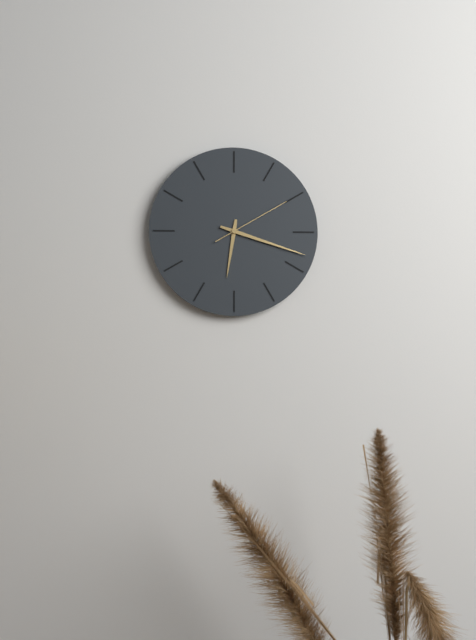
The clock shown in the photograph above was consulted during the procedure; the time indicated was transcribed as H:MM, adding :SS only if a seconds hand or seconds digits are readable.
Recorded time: 6:18:10
